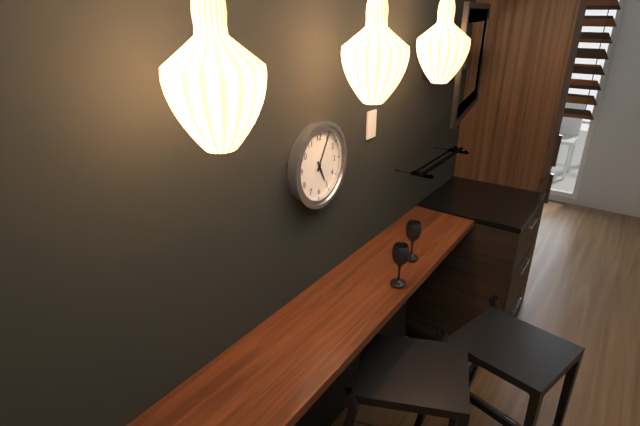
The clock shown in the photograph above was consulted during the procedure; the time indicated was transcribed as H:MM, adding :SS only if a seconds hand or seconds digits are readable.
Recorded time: 5:05
